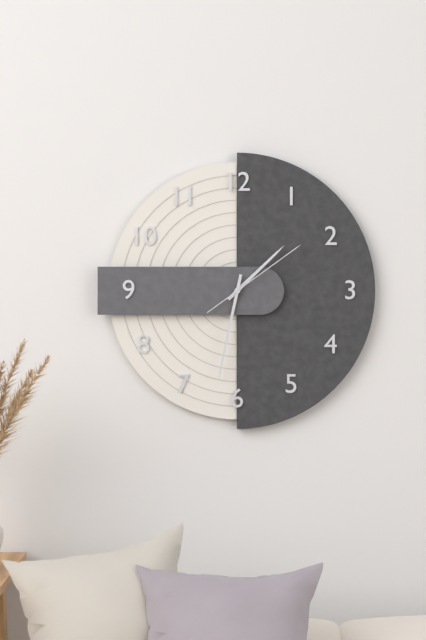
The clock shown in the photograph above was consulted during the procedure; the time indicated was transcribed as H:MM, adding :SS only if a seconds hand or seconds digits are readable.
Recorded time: 1:32:09
